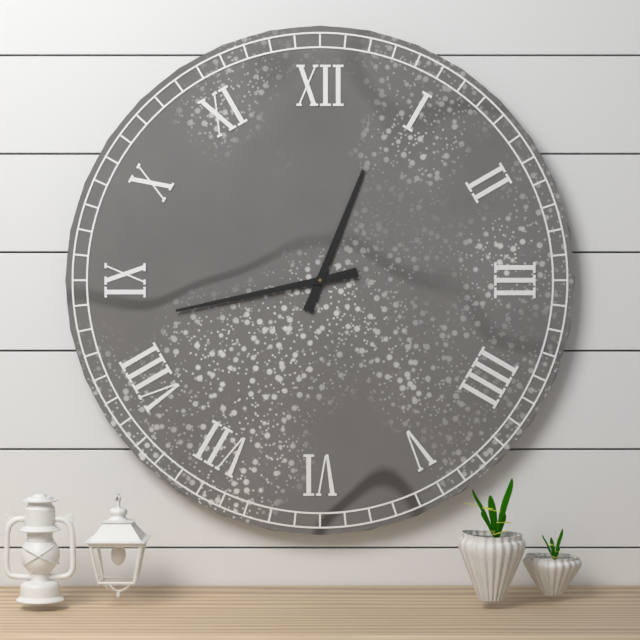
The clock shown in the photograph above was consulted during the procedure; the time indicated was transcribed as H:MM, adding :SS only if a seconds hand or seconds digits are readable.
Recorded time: 12:43
